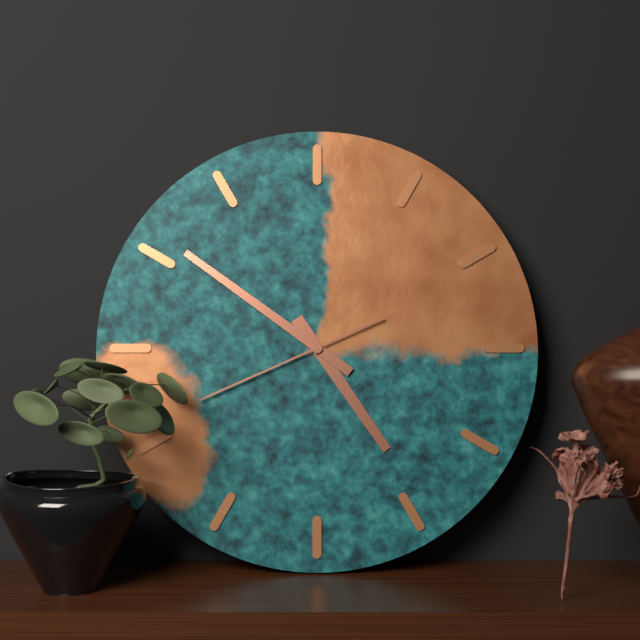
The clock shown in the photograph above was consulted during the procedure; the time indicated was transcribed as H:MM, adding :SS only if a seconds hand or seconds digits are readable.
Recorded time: 4:51:41
